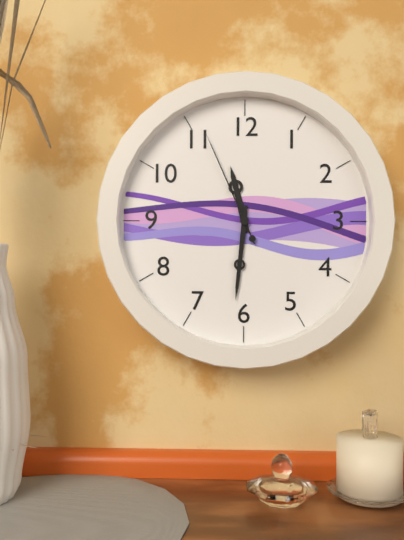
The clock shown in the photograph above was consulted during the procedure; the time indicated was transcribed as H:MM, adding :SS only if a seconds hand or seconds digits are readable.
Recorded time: 11:31:56
